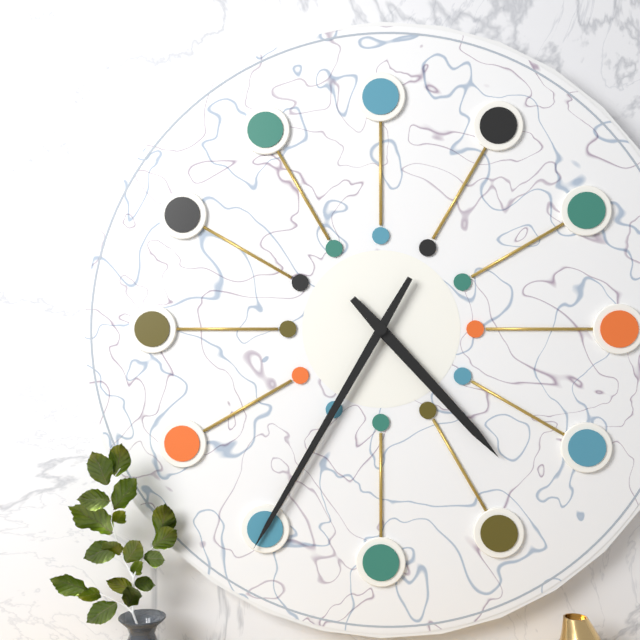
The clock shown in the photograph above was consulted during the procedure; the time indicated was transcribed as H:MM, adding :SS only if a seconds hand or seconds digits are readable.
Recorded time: 4:35
